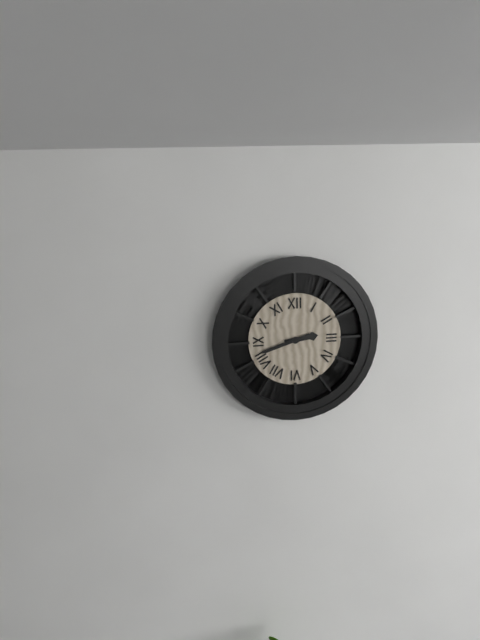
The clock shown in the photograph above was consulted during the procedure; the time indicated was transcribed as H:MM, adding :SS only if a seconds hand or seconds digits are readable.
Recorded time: 2:42
